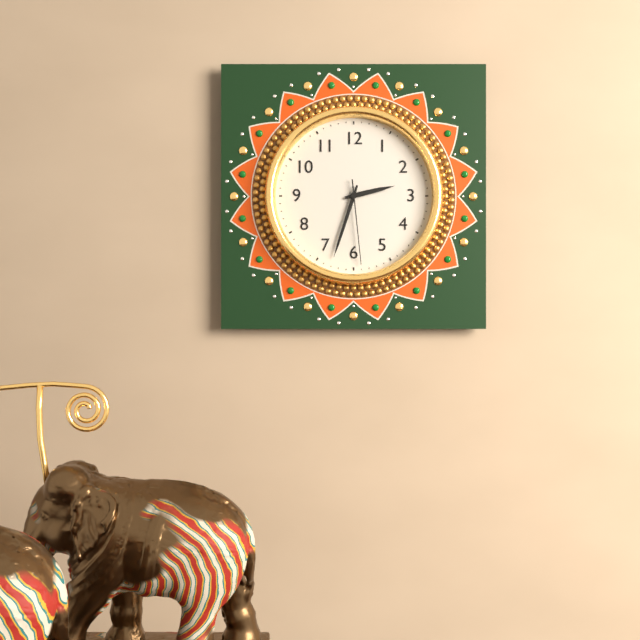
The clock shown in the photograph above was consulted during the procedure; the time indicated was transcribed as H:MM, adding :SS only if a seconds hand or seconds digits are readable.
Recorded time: 2:33:29
